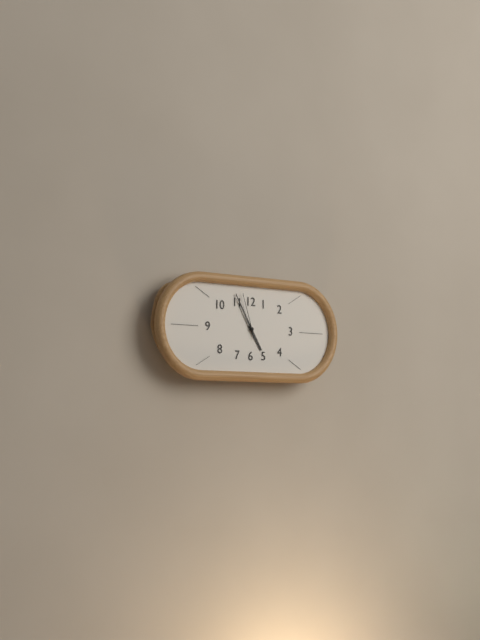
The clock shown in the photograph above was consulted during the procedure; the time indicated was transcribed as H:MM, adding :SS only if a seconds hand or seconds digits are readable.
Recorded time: 4:55
